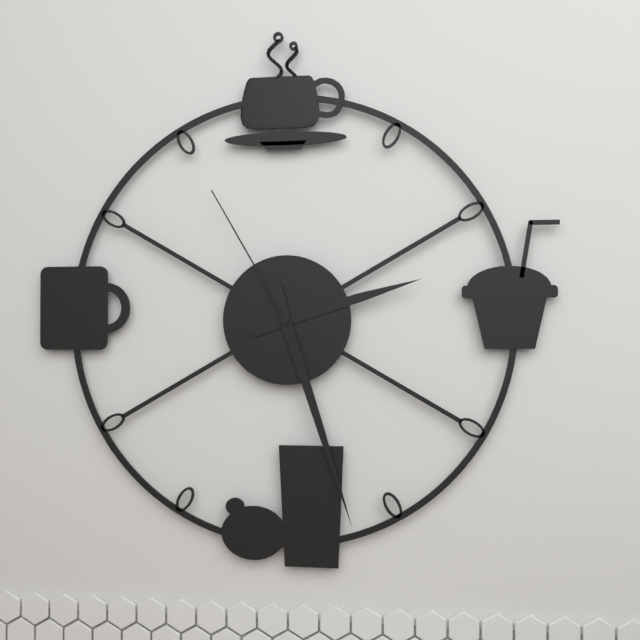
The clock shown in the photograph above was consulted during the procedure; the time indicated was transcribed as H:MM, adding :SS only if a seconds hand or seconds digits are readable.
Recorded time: 2:27:55
